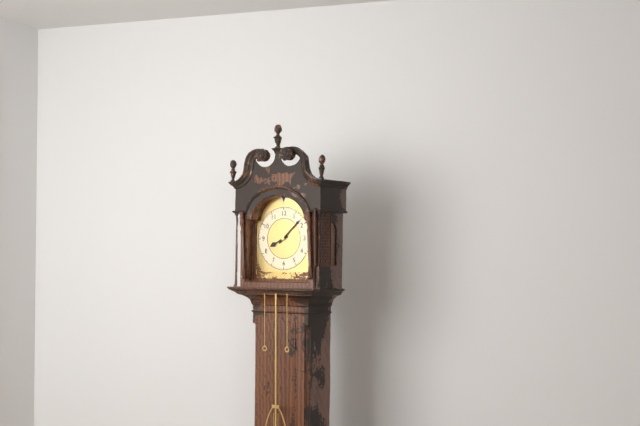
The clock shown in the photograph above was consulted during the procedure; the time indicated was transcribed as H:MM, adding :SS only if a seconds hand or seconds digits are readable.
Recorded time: 8:08
